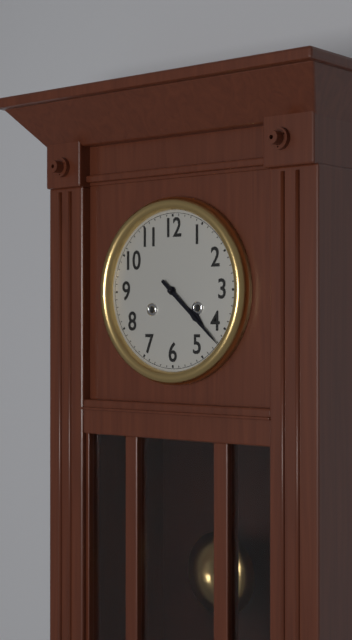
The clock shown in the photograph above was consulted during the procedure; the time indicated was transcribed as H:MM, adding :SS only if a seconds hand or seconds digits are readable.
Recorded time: 4:22
